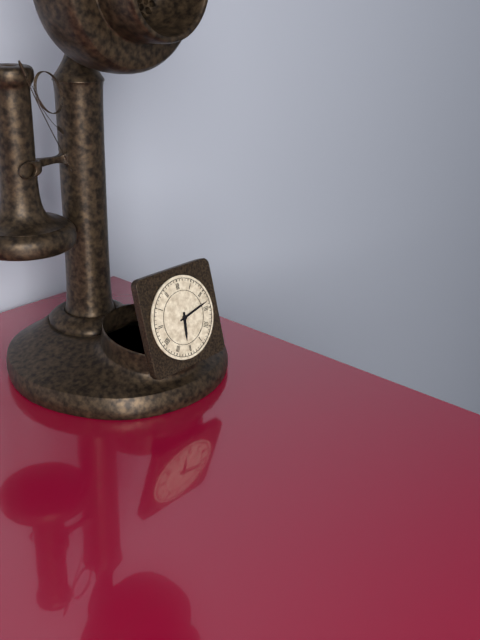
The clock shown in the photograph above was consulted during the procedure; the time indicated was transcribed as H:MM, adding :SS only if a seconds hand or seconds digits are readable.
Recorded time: 6:13
